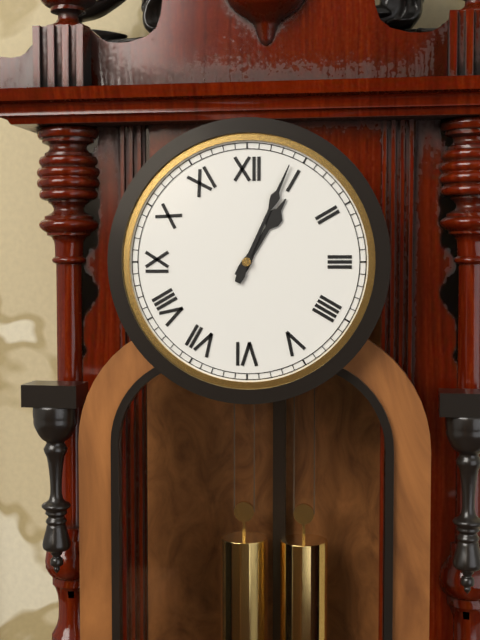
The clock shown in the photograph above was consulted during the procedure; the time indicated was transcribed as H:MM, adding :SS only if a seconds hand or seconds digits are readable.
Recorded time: 1:04
